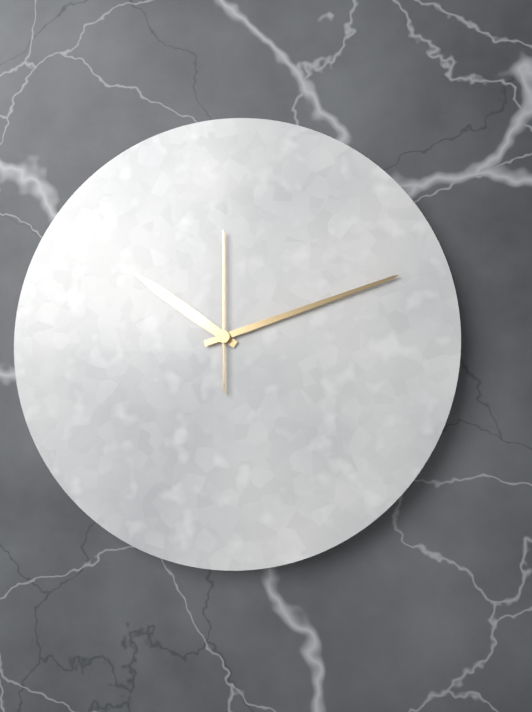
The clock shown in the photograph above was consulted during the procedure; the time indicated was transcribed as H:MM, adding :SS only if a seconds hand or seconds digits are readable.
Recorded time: 10:12:00
